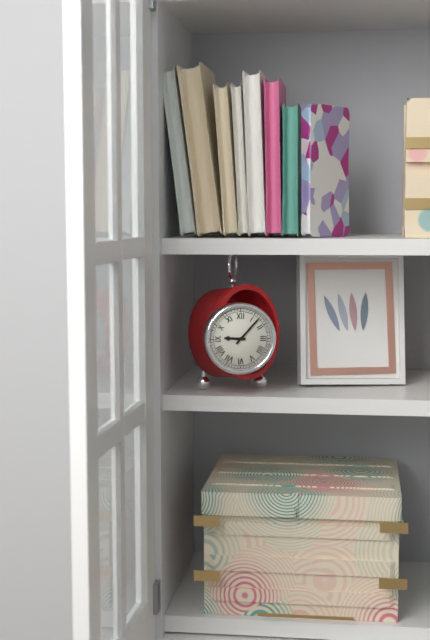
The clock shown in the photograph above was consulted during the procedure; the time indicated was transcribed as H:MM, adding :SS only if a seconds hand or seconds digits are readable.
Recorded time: 9:07
